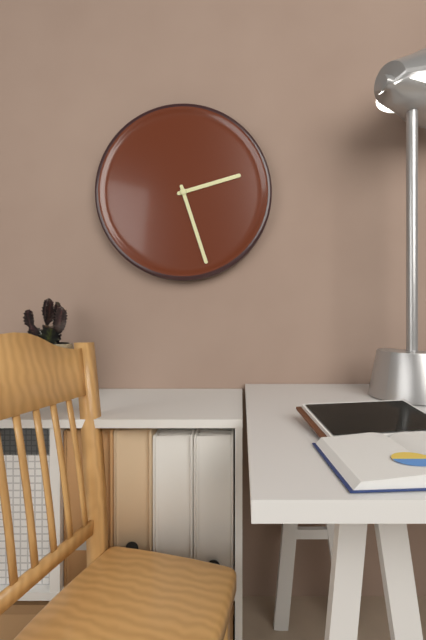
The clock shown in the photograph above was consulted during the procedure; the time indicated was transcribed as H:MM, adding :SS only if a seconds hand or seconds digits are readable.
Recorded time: 2:27
